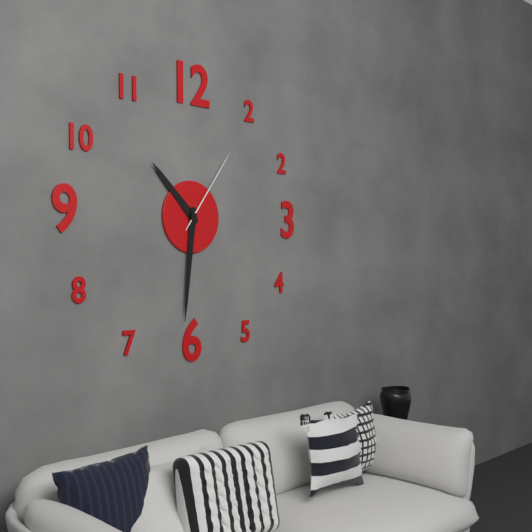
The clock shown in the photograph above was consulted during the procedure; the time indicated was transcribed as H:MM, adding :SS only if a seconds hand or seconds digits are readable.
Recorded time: 10:31:06
